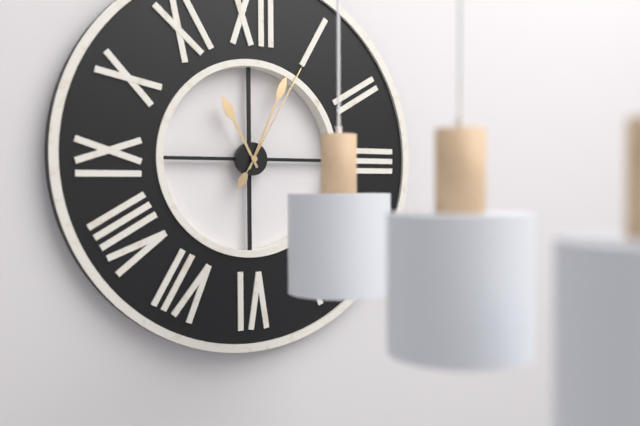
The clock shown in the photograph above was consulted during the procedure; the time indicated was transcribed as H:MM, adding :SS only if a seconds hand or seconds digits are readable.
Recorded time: 11:04:05
